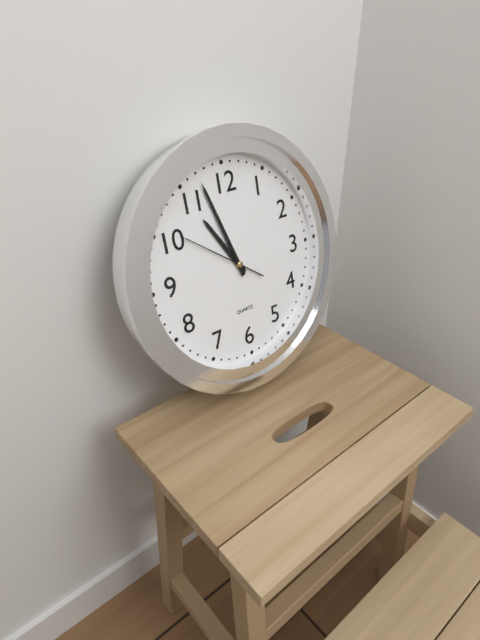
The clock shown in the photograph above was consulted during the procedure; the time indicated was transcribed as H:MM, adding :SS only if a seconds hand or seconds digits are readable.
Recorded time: 10:57:51
